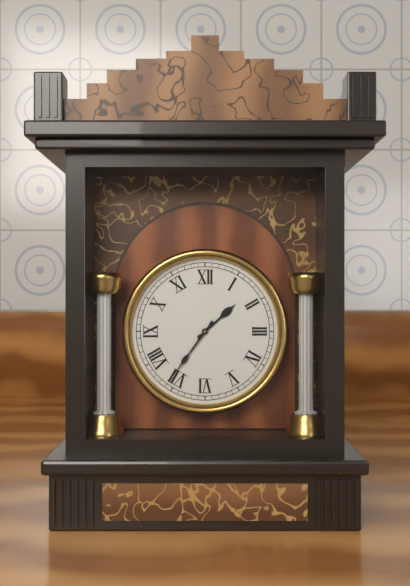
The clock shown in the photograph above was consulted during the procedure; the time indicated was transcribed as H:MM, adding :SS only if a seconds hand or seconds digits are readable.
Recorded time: 1:36
